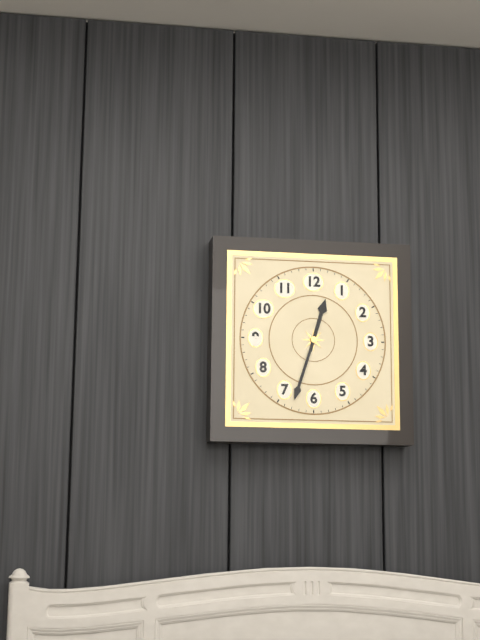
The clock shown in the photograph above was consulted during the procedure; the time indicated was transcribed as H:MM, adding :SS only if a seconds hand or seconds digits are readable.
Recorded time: 12:33
